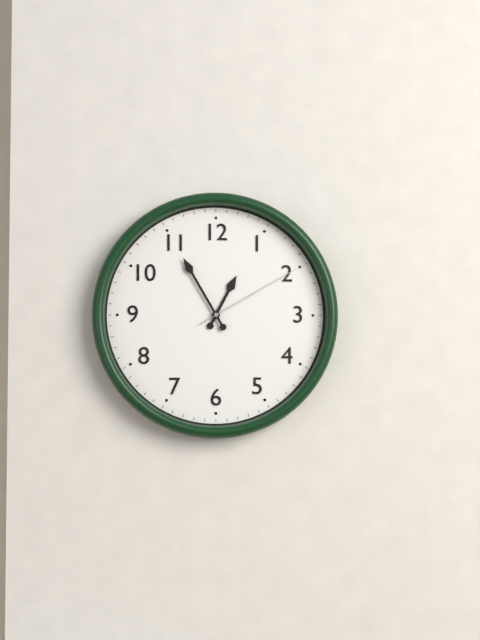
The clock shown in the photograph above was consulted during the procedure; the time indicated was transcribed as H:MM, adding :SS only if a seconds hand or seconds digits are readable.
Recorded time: 12:55:10
